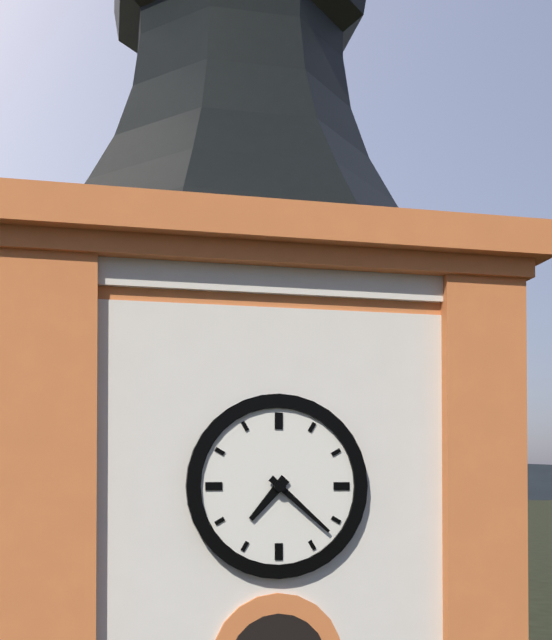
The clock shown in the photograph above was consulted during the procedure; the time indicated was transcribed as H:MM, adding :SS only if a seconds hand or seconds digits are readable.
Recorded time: 7:22
